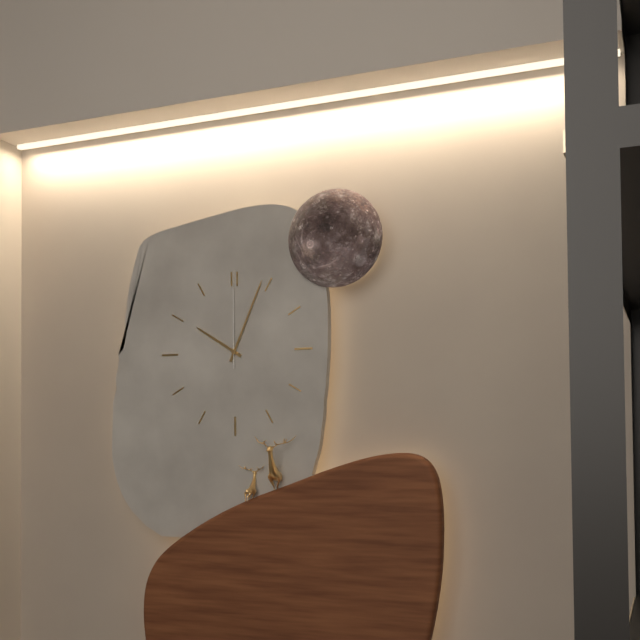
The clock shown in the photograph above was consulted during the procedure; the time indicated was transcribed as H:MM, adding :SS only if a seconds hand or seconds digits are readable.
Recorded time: 10:04:00
